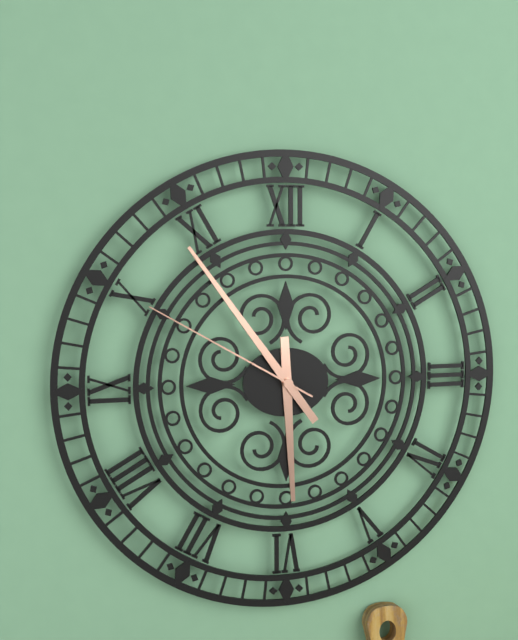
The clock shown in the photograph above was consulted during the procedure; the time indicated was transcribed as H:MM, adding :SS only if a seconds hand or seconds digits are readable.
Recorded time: 5:54:50
